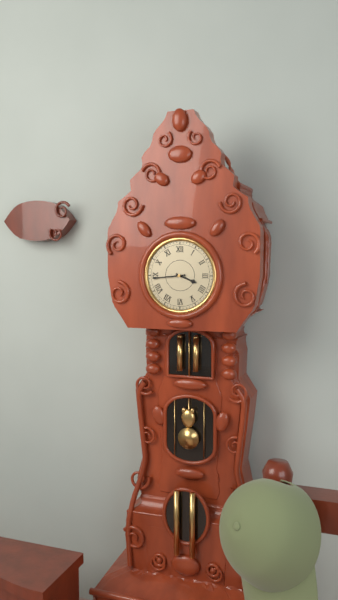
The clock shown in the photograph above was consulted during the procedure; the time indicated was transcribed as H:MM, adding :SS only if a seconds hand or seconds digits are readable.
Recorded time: 3:44
